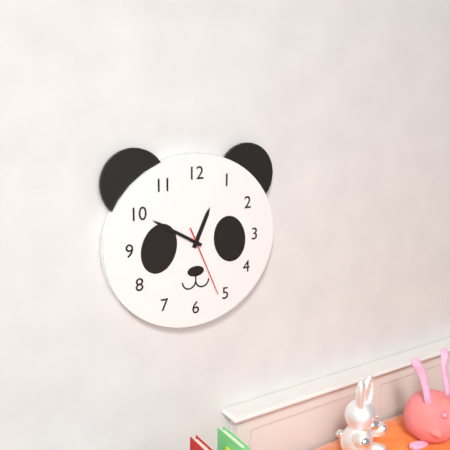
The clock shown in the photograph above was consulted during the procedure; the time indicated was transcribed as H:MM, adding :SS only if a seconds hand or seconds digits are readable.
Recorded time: 12:50:26
